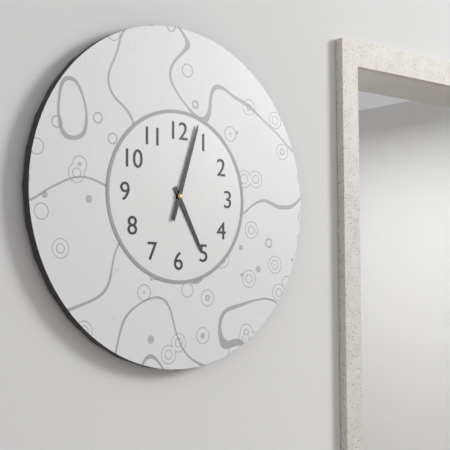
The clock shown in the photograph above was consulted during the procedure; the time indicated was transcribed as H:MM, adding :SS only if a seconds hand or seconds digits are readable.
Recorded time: 5:03
